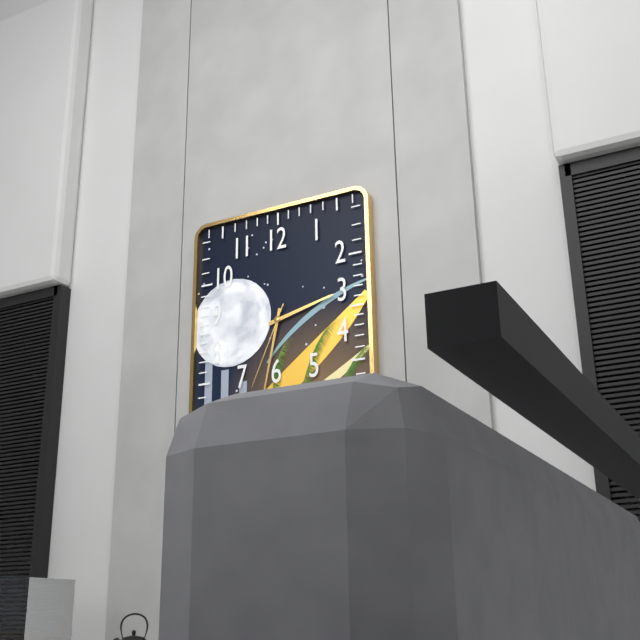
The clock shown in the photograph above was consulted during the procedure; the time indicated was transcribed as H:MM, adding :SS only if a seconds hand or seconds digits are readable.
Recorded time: 2:32:34
